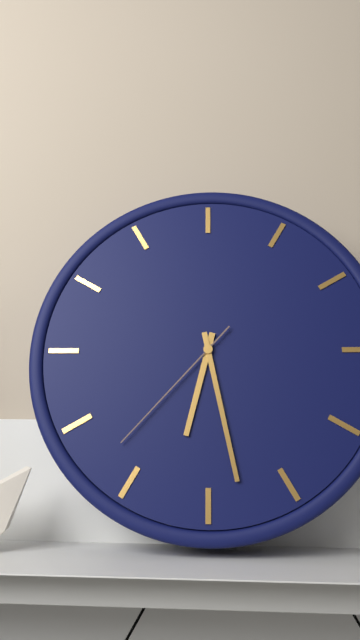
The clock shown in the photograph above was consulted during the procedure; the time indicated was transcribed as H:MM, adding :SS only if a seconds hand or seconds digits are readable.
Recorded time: 6:28:37
